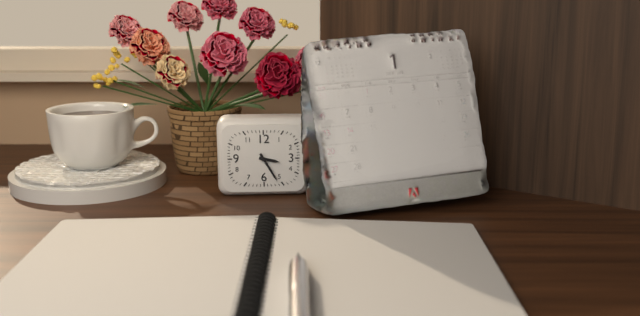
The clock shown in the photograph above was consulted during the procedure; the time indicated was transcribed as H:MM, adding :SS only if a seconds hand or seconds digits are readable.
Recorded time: 3:25
